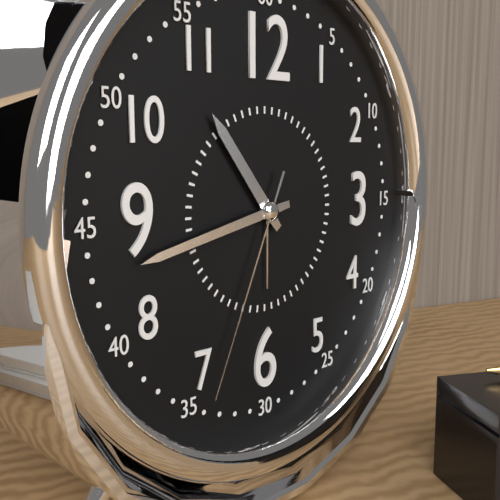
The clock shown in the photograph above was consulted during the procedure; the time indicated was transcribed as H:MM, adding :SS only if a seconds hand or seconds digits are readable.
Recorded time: 10:43:34
